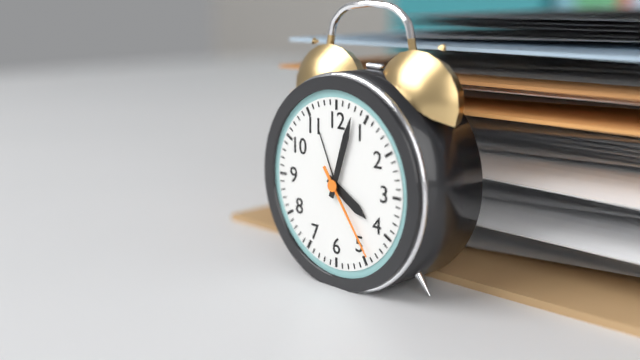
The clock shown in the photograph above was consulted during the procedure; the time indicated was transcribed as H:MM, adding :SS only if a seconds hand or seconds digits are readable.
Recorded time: 4:03:24
